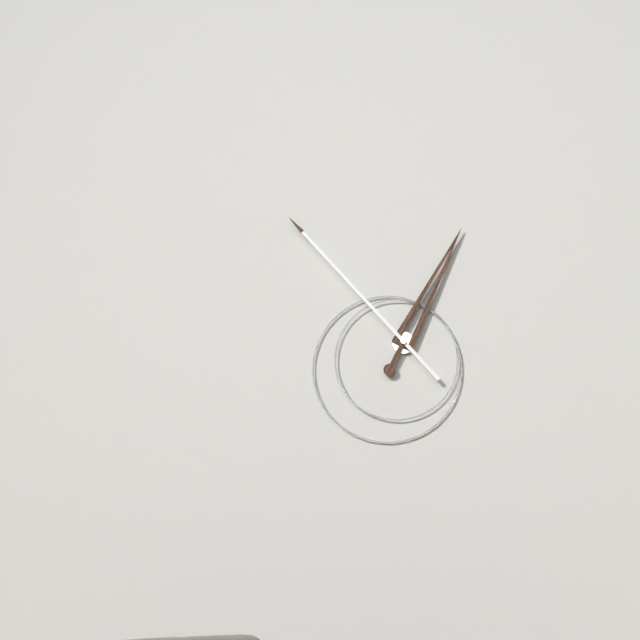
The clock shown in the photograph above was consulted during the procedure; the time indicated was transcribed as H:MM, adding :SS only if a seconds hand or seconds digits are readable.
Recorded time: 12:53
